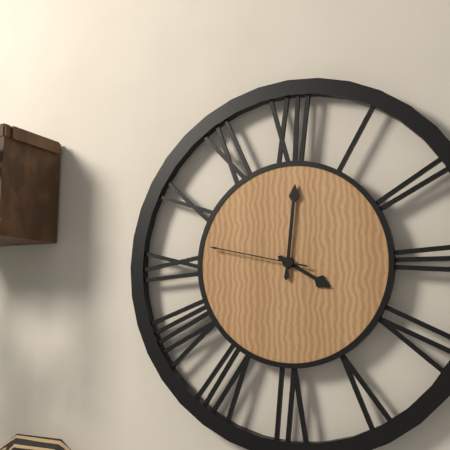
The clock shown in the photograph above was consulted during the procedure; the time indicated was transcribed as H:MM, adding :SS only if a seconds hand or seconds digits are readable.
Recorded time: 4:01:47
